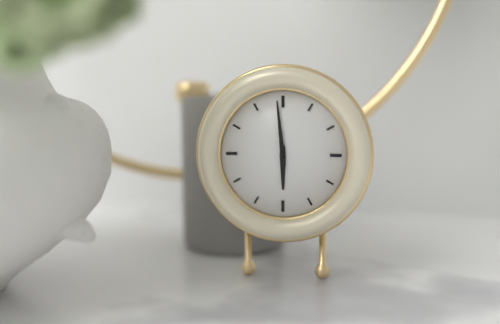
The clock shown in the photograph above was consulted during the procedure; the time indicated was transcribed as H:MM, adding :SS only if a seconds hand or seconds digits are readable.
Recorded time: 5:59
